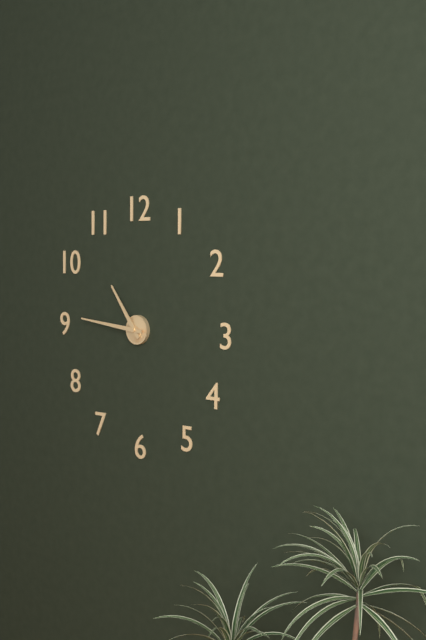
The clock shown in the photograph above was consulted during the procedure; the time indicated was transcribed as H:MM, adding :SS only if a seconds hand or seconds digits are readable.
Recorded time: 10:46
